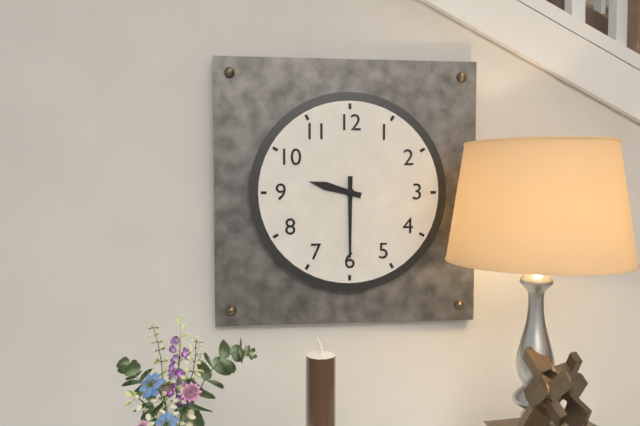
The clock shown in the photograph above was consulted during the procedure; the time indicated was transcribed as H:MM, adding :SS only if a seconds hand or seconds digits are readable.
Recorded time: 9:30
